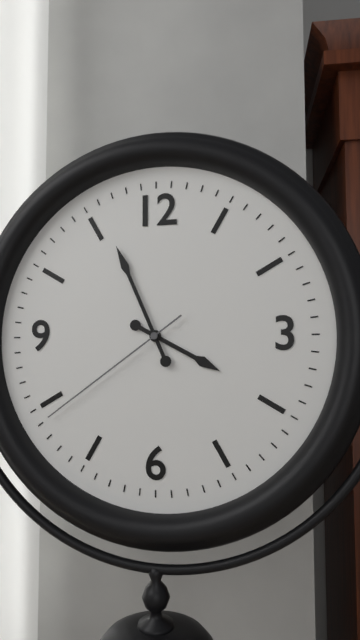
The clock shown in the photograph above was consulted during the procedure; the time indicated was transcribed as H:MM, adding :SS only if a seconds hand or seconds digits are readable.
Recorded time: 3:56:39
